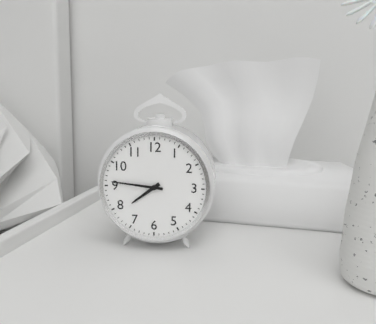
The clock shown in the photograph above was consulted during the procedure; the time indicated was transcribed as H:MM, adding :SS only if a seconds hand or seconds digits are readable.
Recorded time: 7:46
